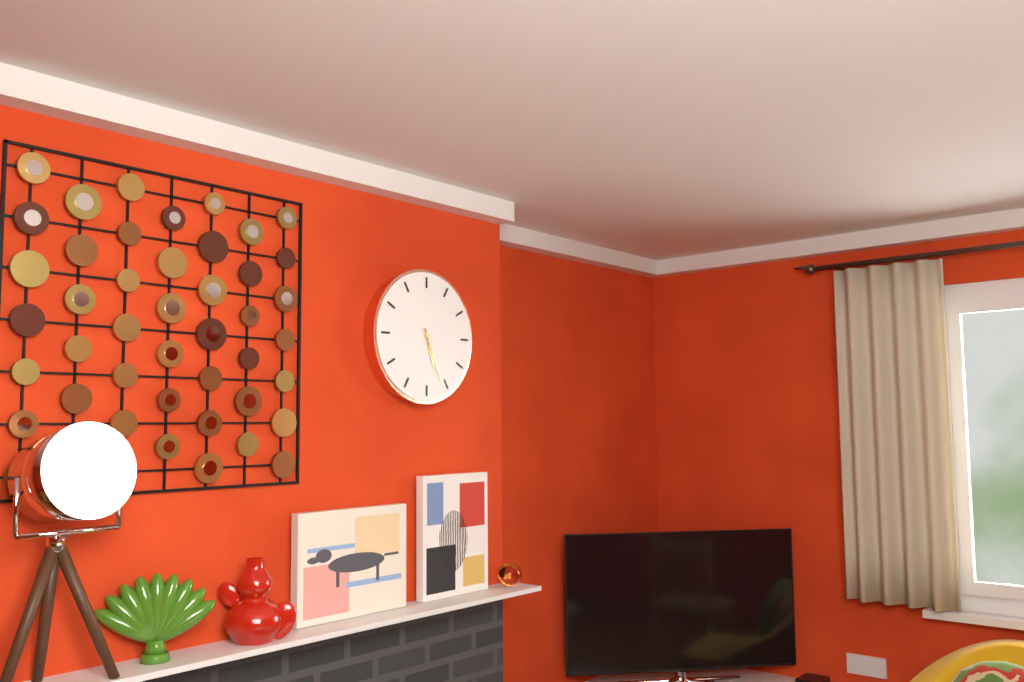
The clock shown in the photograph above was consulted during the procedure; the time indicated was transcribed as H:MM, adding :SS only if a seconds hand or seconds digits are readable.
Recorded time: 5:26
